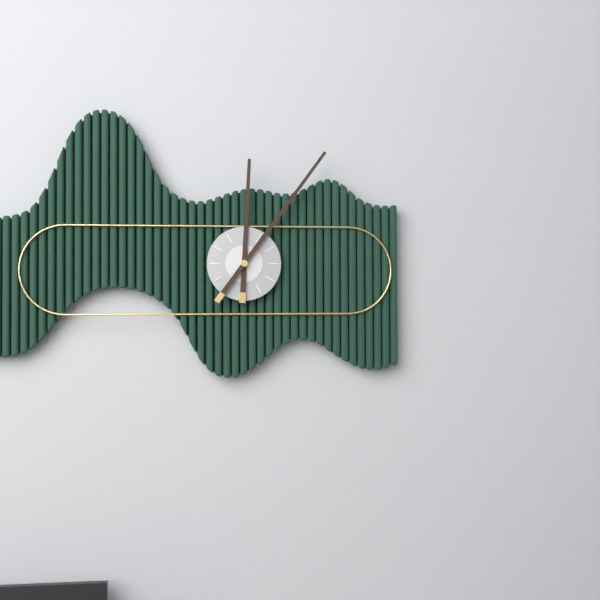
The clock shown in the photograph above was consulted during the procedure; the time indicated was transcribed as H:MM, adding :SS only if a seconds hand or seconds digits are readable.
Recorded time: 12:06
